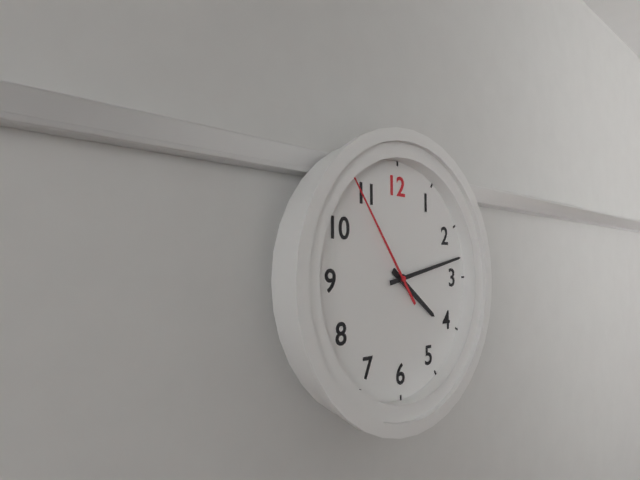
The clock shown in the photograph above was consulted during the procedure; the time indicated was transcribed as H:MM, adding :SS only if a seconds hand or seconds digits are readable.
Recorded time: 4:13:54
